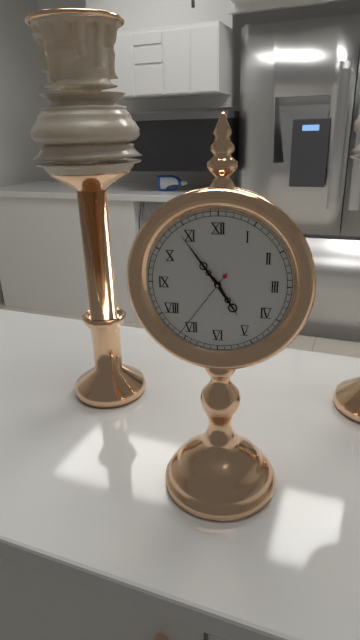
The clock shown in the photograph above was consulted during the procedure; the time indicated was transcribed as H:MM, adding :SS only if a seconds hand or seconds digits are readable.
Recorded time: 4:54:36
